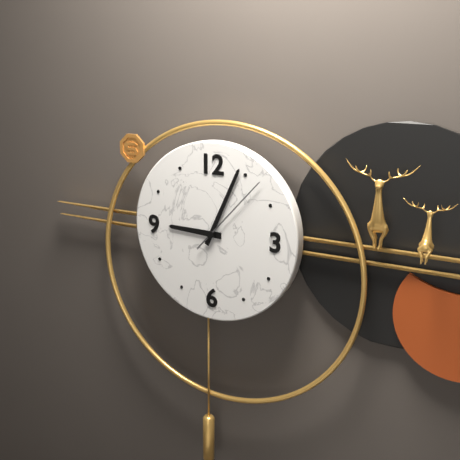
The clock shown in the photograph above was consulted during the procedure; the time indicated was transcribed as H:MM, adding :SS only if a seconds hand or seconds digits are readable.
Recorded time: 9:04:07
